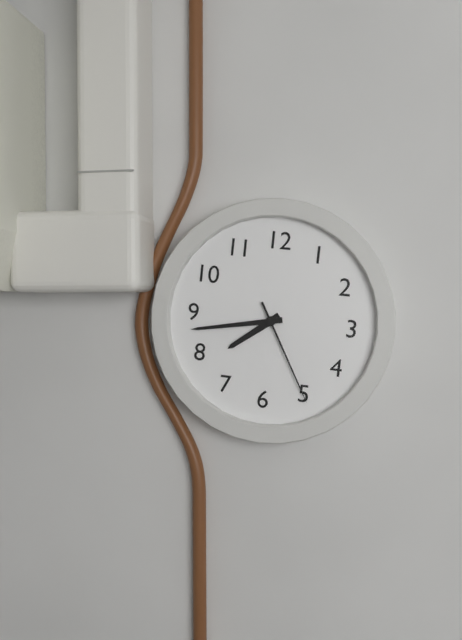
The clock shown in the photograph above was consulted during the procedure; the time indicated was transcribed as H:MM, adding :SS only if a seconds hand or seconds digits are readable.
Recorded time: 7:43:25
